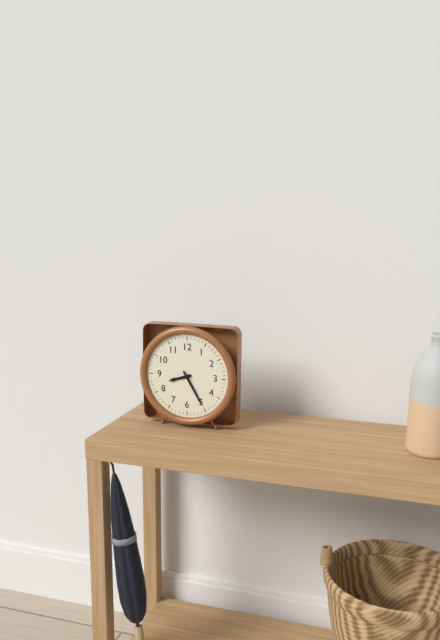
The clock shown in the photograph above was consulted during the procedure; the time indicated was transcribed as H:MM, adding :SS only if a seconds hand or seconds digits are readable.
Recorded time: 8:25
